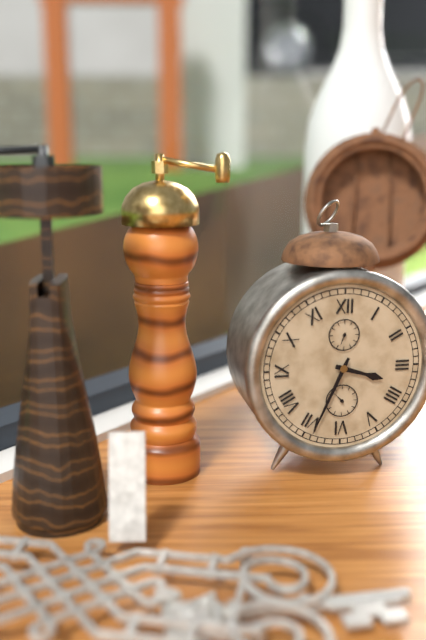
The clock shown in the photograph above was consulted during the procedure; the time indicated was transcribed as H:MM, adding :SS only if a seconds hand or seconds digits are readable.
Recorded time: 3:34
